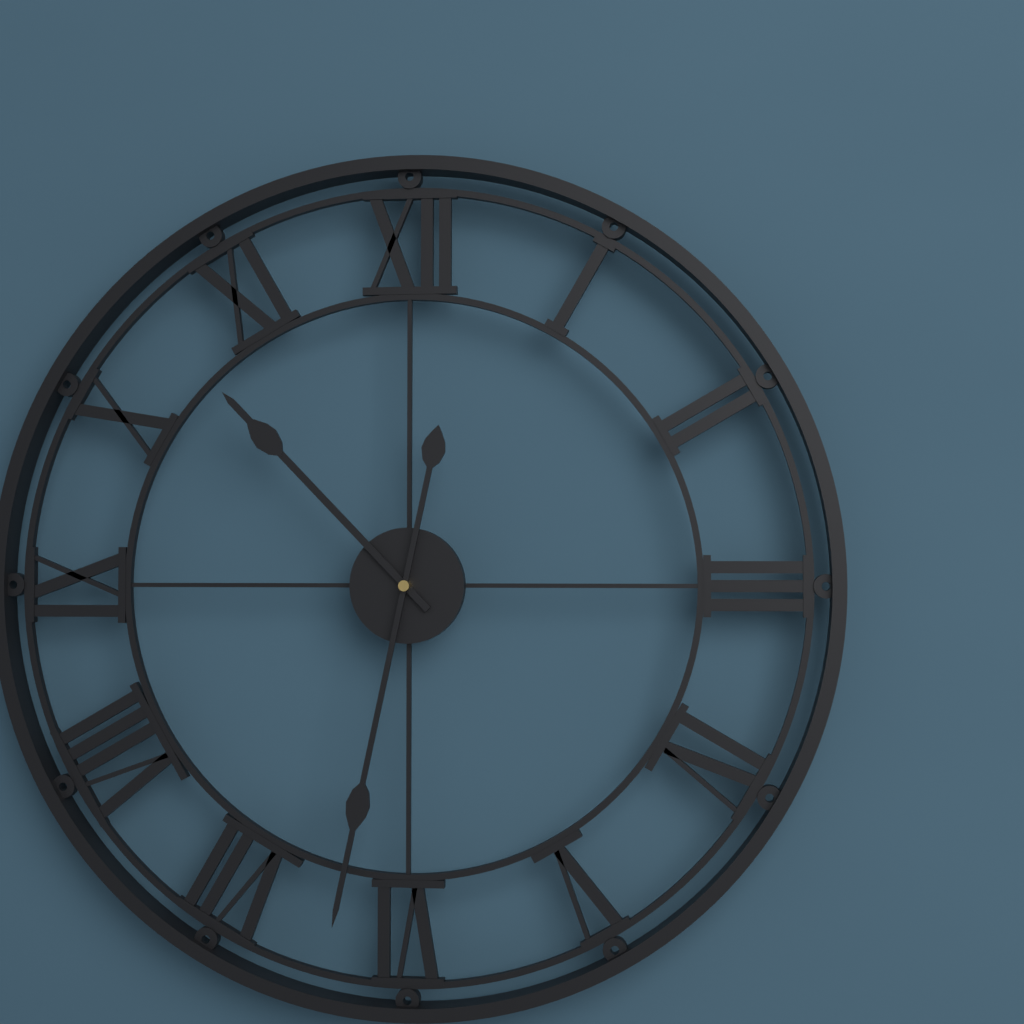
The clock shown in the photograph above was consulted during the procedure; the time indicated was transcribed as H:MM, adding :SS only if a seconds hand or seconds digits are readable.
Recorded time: 10:32
